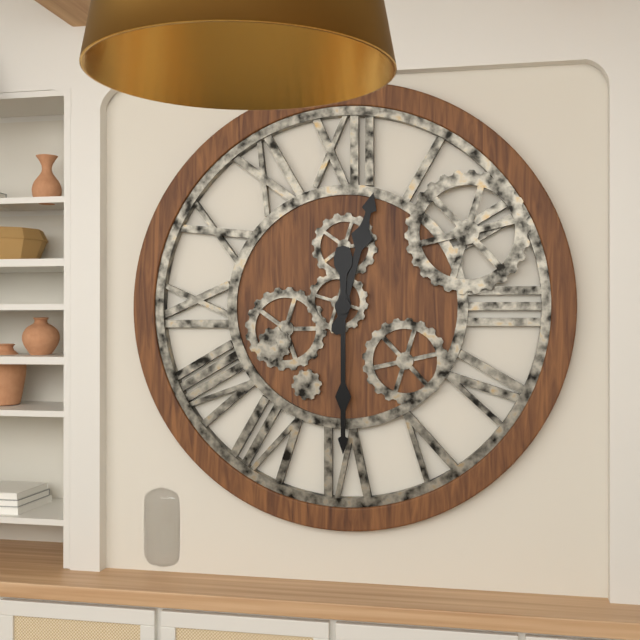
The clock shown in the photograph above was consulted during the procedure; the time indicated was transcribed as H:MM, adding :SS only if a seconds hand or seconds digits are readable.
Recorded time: 12:30
